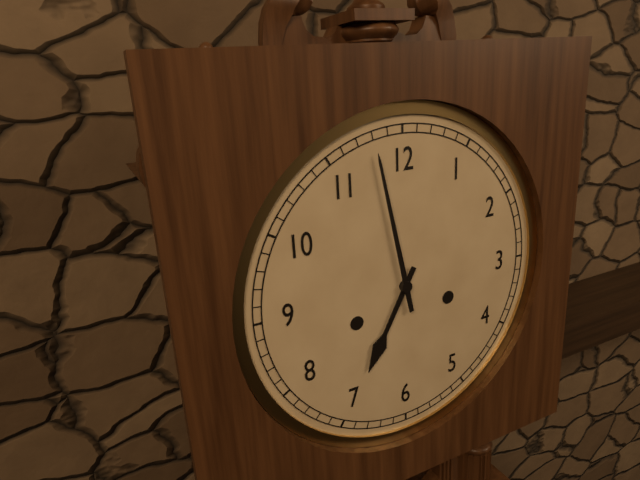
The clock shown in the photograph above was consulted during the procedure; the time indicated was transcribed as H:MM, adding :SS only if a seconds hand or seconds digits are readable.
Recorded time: 6:58
